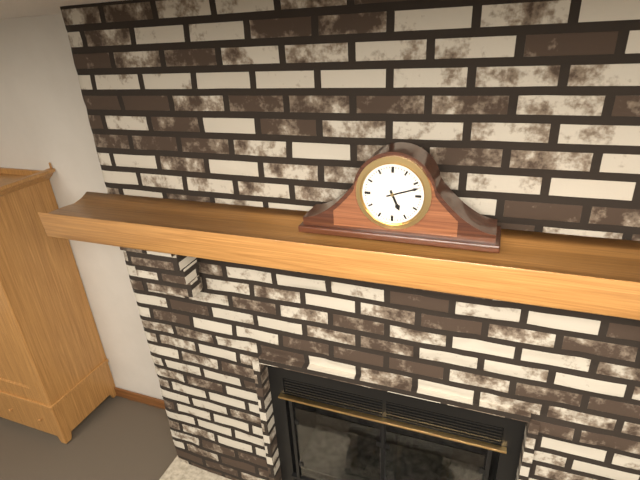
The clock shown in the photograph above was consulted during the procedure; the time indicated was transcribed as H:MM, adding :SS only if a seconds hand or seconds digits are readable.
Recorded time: 5:12
